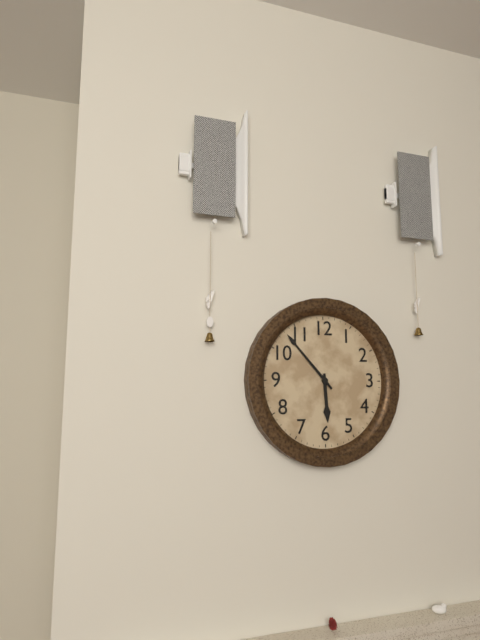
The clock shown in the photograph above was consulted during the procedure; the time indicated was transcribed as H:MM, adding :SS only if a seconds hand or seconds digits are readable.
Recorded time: 5:53
